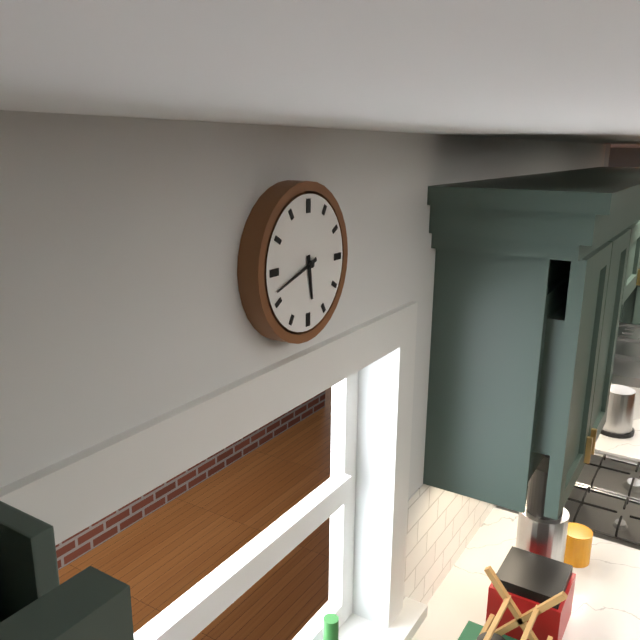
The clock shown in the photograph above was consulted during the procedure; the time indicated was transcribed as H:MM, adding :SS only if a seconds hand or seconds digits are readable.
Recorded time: 5:42
